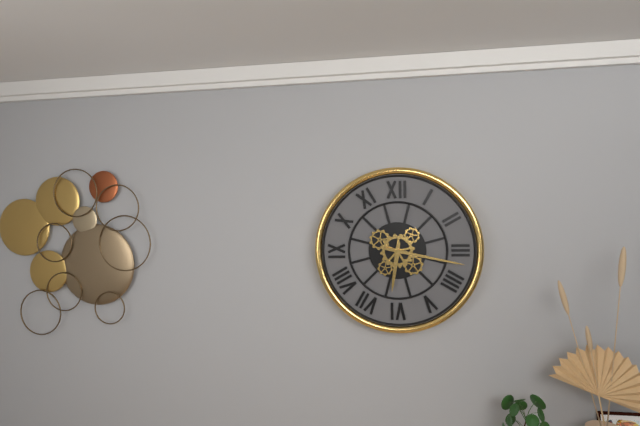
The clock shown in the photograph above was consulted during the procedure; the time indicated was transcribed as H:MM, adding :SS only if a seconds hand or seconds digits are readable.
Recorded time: 6:17
